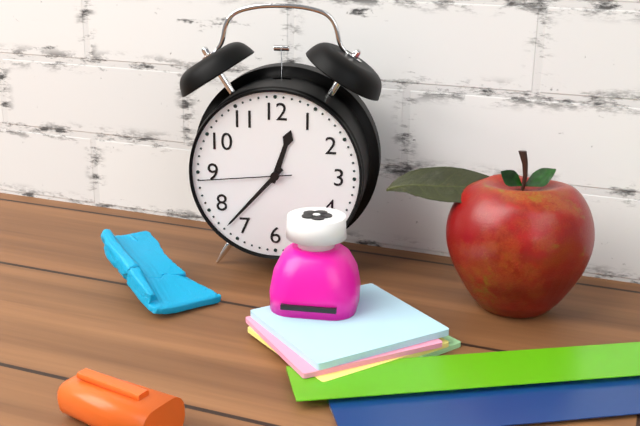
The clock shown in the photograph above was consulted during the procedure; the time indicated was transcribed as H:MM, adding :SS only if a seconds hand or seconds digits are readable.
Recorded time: 12:37:44
